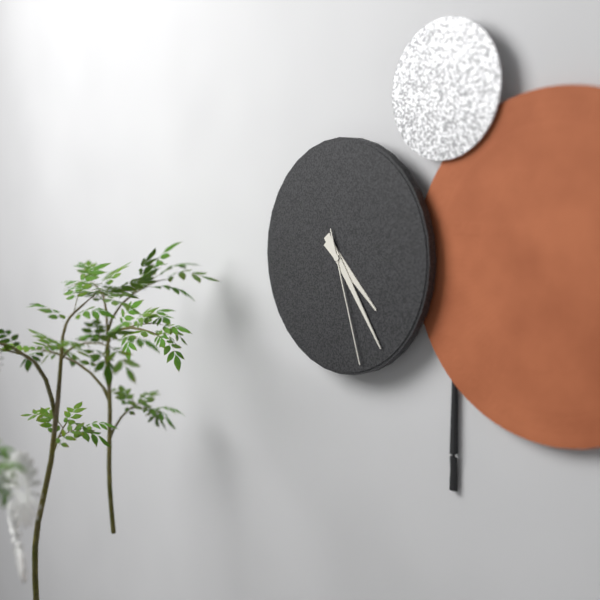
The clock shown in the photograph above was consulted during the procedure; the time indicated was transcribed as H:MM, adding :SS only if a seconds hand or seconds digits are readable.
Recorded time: 4:24:27
